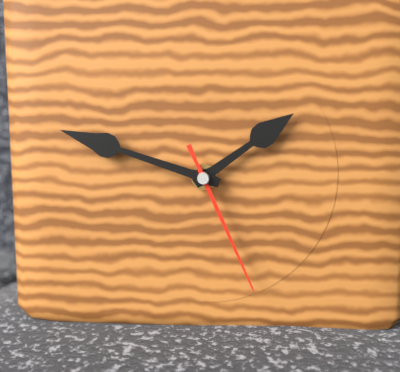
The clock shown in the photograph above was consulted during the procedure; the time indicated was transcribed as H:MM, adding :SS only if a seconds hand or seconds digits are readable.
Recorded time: 1:48:26
